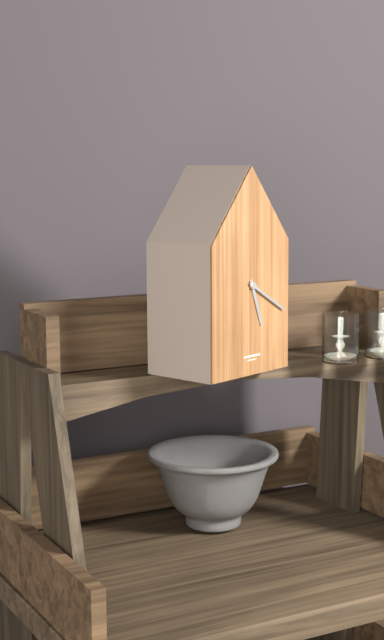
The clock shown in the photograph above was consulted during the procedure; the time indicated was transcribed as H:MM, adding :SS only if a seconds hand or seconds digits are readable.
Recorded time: 5:20
